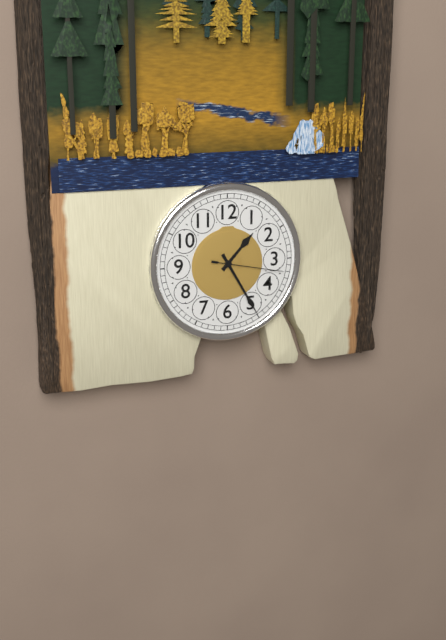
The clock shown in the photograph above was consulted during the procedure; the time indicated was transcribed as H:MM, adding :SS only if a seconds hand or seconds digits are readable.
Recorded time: 1:25:17
